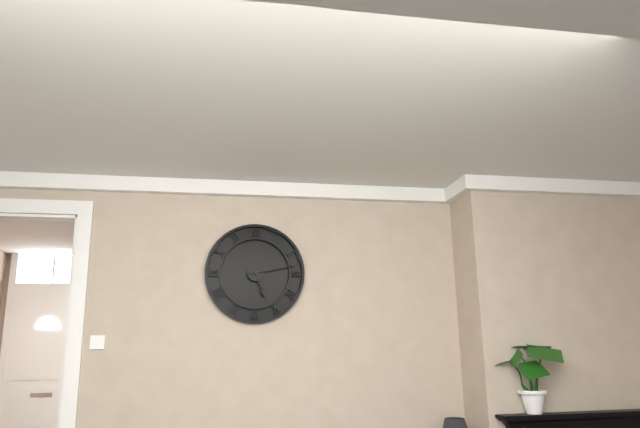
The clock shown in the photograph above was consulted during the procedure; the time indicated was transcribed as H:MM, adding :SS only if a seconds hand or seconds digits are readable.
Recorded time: 5:13
